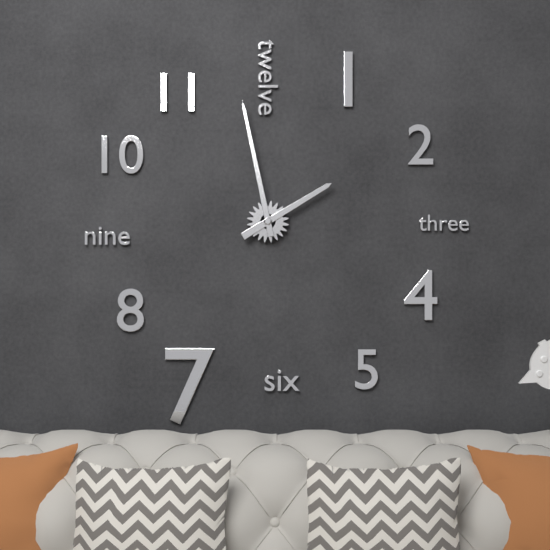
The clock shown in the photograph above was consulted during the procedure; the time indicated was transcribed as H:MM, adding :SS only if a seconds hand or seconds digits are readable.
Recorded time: 1:58
